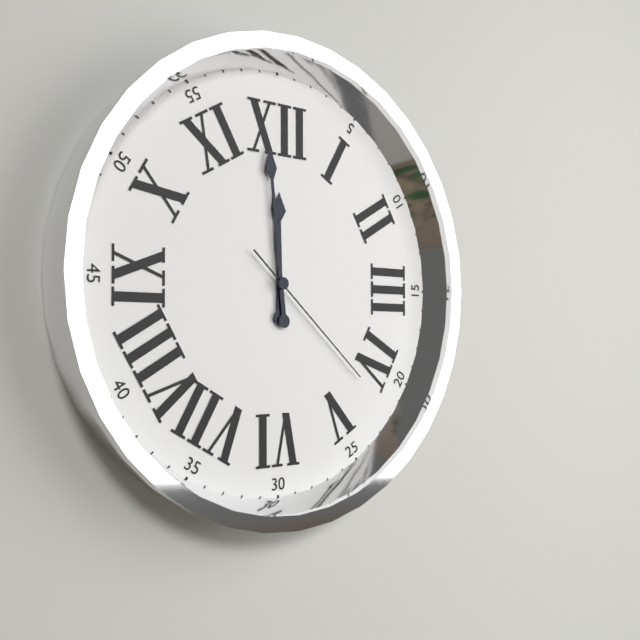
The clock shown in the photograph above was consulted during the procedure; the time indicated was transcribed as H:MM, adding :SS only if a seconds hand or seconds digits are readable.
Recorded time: 11:59:22
